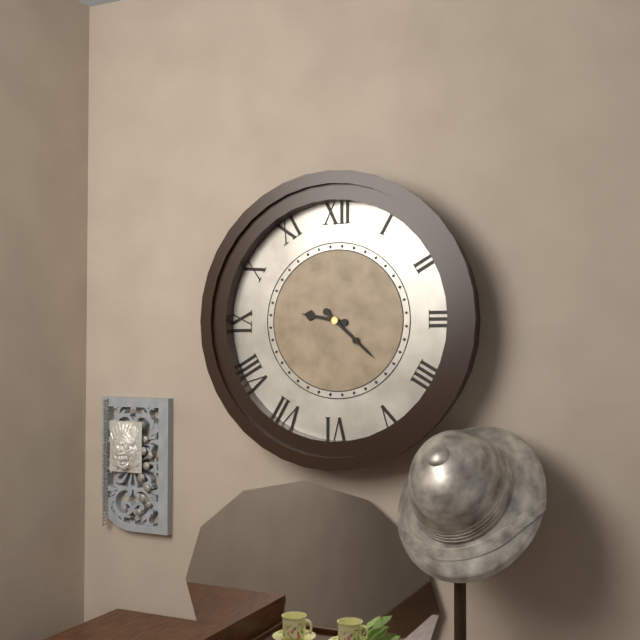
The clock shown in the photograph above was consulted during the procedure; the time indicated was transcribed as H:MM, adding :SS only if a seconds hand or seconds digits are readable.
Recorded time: 9:22
